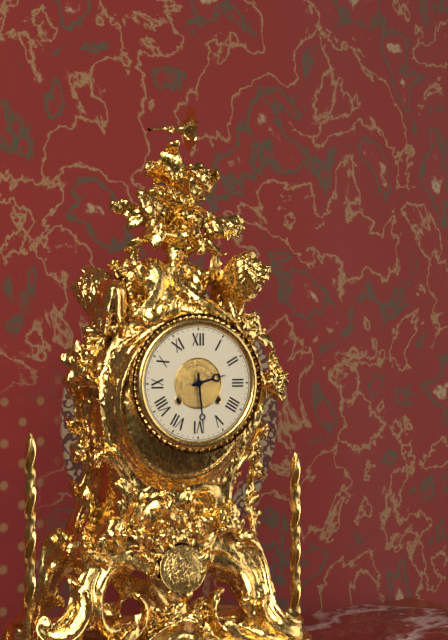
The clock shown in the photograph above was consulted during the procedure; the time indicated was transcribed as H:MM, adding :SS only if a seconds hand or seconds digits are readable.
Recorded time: 2:29
